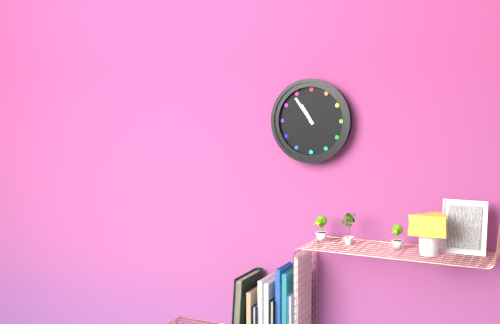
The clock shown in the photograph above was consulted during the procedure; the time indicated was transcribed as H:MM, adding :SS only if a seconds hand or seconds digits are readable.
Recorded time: 10:54
